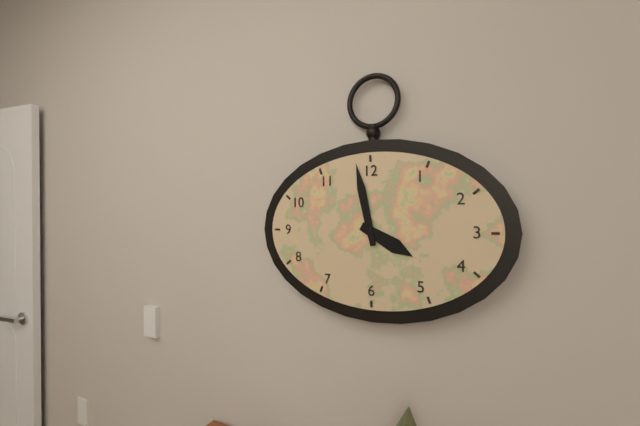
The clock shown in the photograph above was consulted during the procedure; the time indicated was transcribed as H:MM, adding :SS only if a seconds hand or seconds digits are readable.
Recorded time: 3:58
